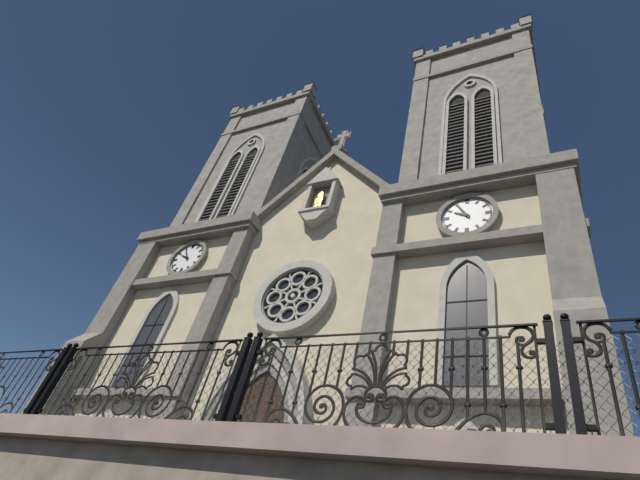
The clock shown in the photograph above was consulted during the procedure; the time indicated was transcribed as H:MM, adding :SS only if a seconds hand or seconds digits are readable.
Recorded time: 9:55
